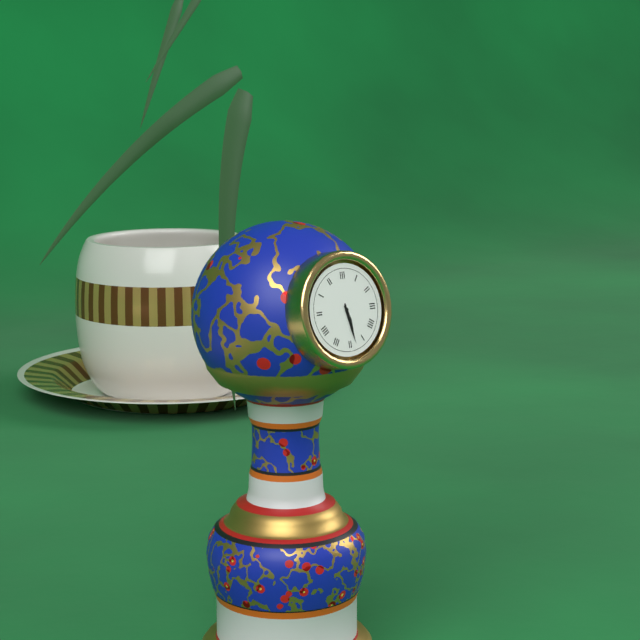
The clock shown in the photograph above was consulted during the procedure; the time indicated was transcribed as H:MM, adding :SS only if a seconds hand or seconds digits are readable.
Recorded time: 5:28
